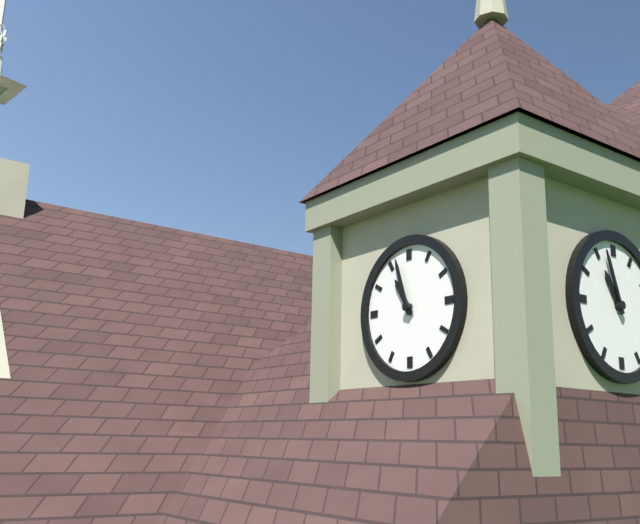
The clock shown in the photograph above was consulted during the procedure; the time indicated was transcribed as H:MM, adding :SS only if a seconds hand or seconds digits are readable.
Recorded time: 10:57
